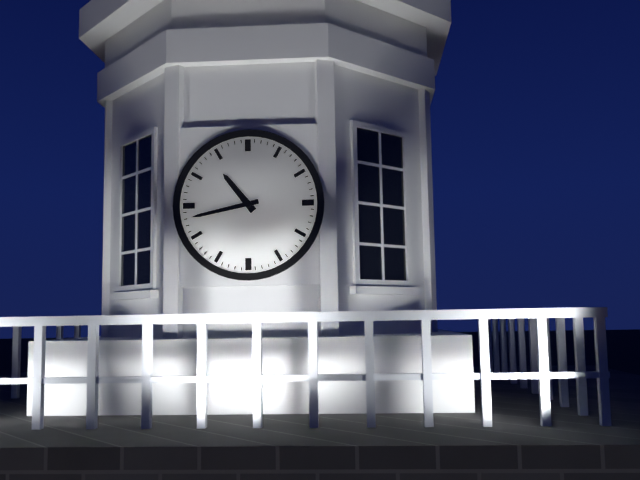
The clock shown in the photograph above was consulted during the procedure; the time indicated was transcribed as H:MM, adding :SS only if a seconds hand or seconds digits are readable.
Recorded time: 10:43
